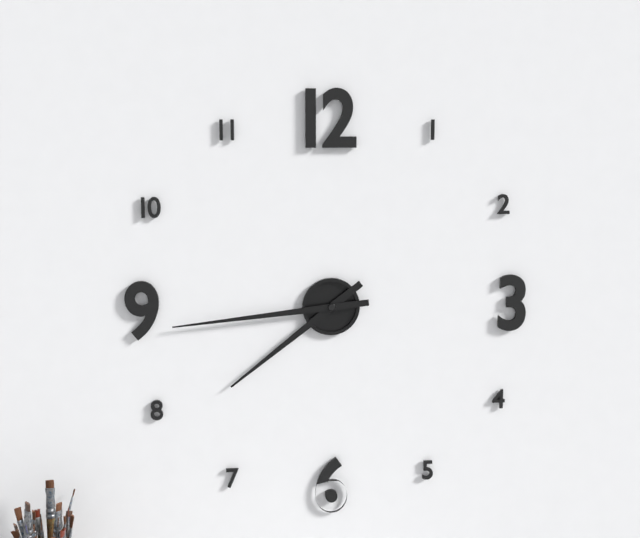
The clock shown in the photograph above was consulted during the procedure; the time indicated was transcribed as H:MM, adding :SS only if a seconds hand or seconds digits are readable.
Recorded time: 7:44
